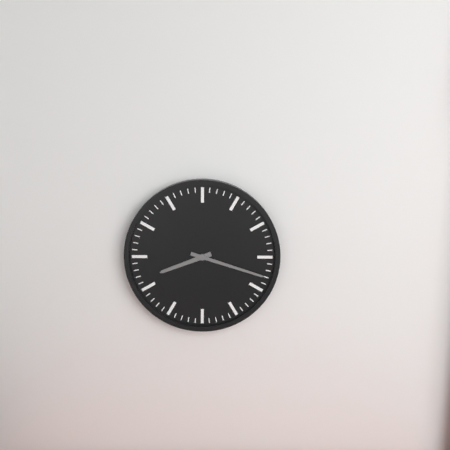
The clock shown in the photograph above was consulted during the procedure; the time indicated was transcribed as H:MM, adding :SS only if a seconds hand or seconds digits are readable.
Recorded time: 8:18
